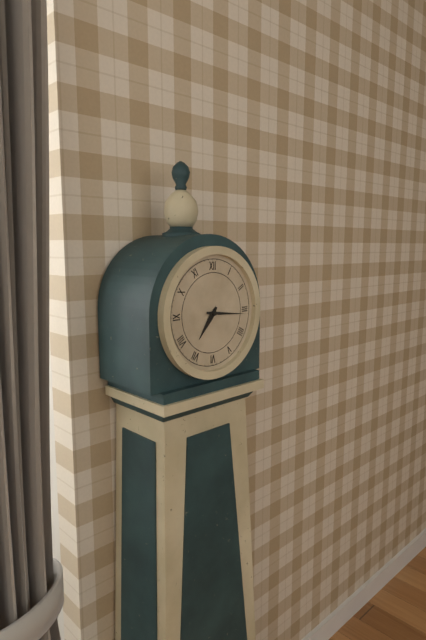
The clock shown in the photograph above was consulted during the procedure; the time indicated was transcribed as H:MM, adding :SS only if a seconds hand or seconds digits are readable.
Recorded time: 7:16
